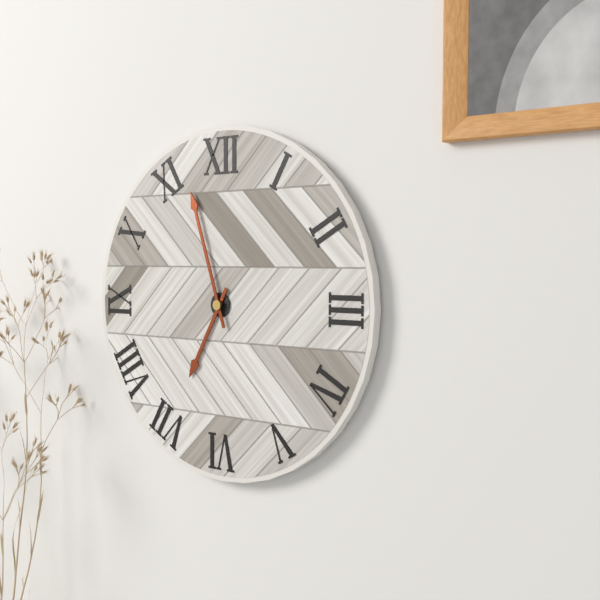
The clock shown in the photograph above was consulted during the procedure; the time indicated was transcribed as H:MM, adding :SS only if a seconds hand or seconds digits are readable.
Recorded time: 6:57
